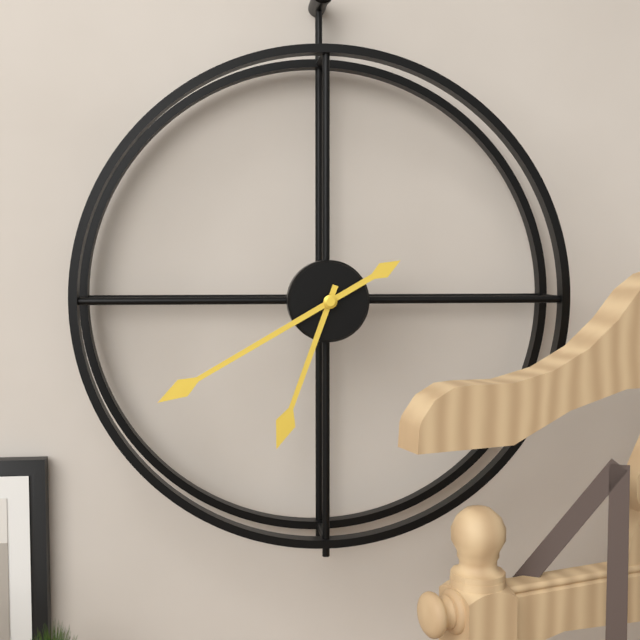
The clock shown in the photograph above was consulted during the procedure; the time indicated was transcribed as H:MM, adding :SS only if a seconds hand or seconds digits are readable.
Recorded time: 6:40
